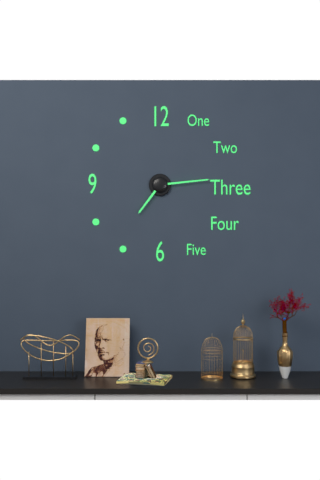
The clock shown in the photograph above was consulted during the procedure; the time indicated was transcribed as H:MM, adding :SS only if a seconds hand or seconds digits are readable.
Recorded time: 7:14
